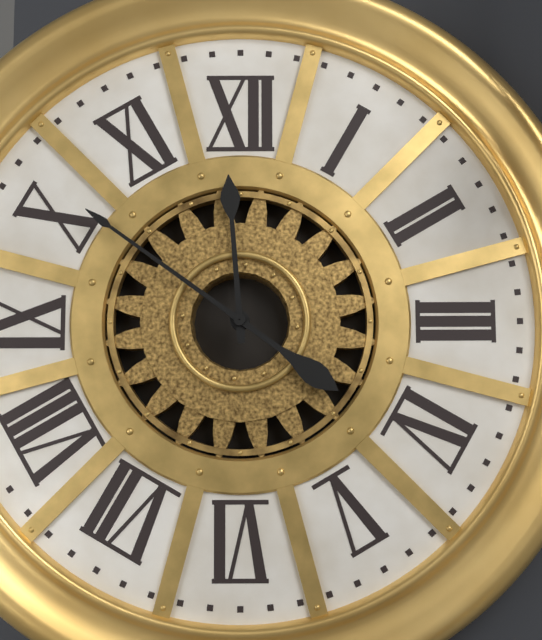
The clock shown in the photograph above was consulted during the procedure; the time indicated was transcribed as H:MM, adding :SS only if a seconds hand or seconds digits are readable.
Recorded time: 11:51
